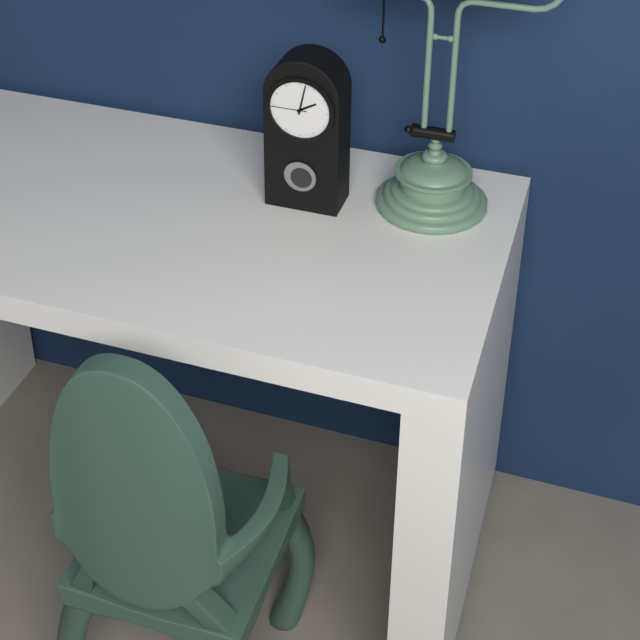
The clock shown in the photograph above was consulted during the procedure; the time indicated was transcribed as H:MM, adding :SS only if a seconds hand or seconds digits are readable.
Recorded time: 2:02
